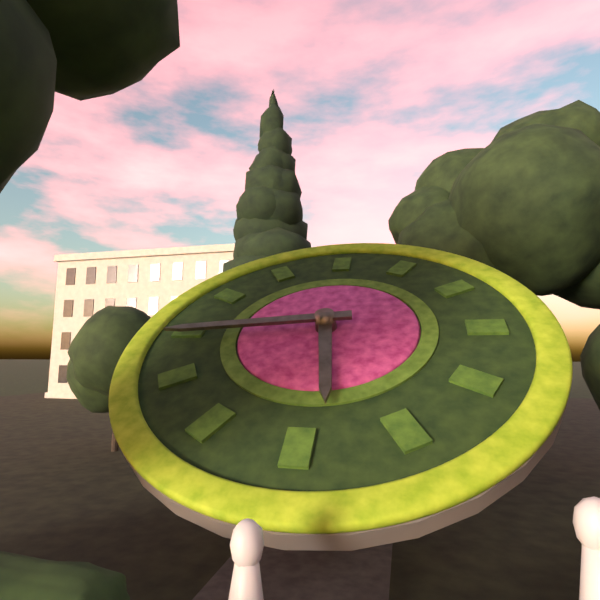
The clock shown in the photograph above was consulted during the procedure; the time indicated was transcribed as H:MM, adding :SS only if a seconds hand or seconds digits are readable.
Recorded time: 5:44
